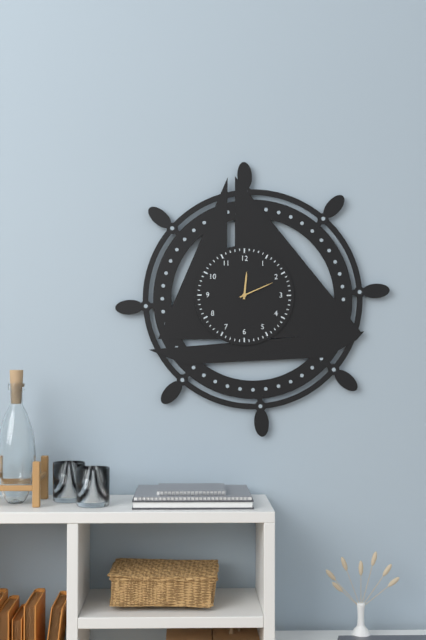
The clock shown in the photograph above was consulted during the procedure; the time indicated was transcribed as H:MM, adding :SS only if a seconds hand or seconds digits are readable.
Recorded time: 12:11
